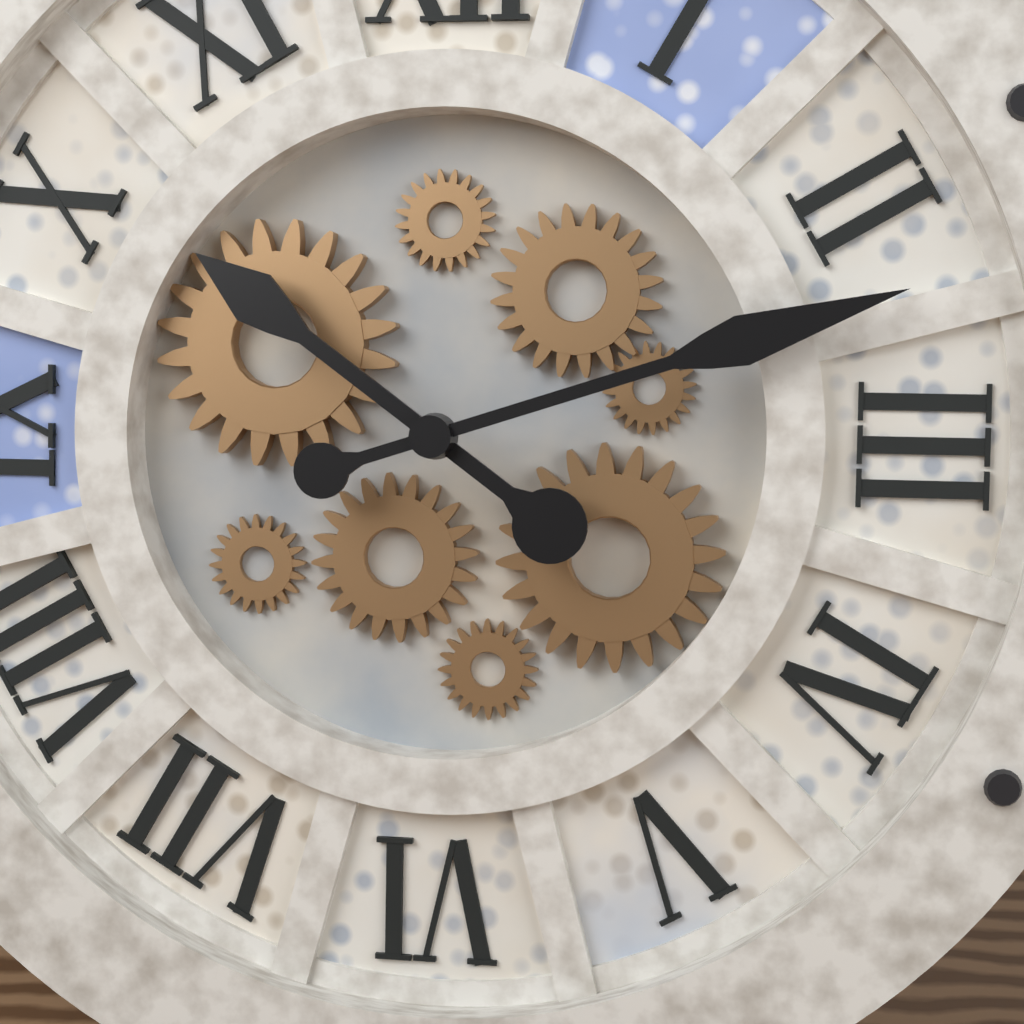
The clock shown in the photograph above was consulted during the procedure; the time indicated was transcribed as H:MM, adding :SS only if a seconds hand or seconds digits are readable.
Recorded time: 10:12
